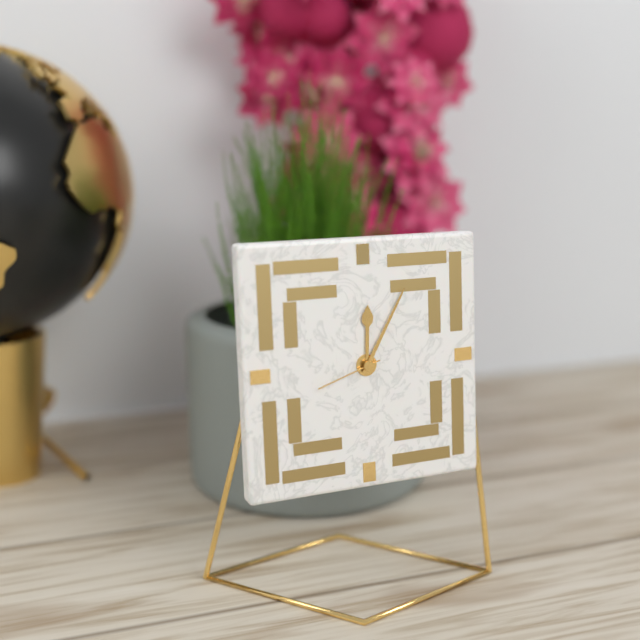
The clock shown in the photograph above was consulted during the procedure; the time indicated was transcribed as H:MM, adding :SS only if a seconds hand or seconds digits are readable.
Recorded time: 12:05:42
